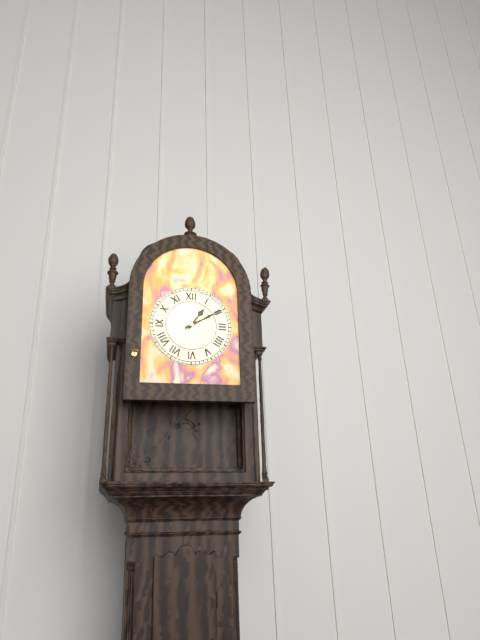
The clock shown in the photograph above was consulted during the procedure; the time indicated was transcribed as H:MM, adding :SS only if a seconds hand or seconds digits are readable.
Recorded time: 1:10
